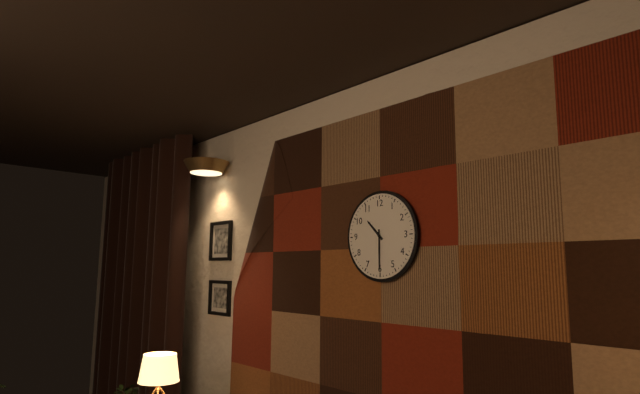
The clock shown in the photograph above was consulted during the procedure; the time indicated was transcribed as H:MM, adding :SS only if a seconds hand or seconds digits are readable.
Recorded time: 10:30
